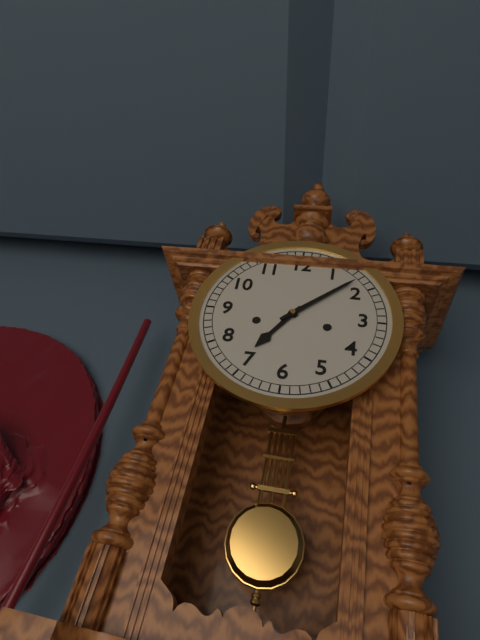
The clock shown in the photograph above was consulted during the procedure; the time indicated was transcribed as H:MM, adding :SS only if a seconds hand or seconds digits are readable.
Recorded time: 7:08
